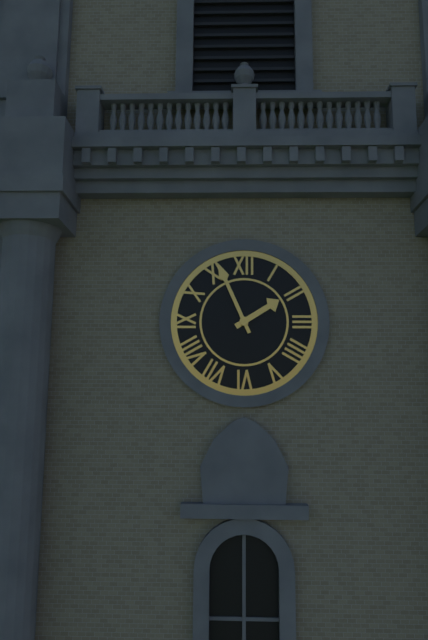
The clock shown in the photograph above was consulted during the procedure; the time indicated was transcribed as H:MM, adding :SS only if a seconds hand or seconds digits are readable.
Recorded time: 1:56
